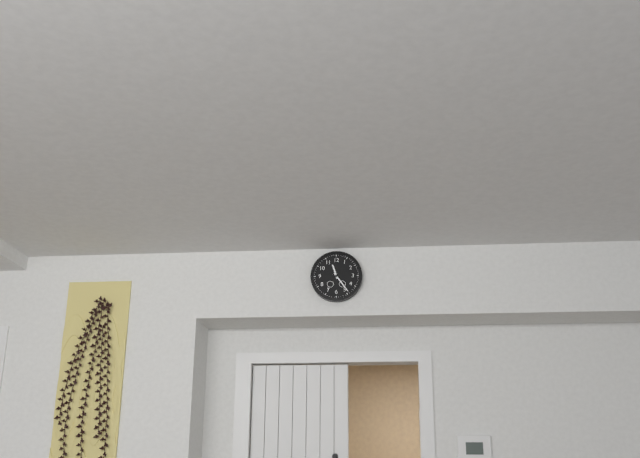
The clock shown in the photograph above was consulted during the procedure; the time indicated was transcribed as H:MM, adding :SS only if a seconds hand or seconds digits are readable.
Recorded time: 11:24
